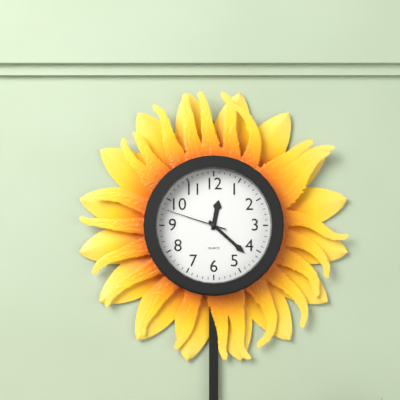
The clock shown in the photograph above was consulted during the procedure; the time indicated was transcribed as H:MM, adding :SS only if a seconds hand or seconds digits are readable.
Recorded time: 12:22:48
